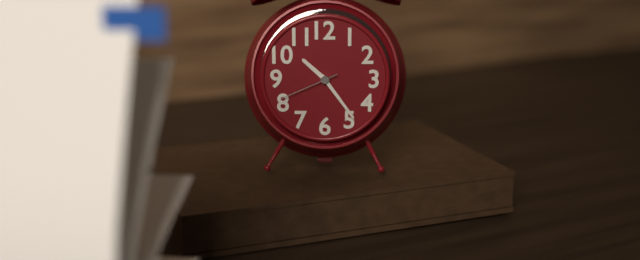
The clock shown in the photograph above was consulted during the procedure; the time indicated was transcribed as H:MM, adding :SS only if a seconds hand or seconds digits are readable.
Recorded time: 10:24:41
